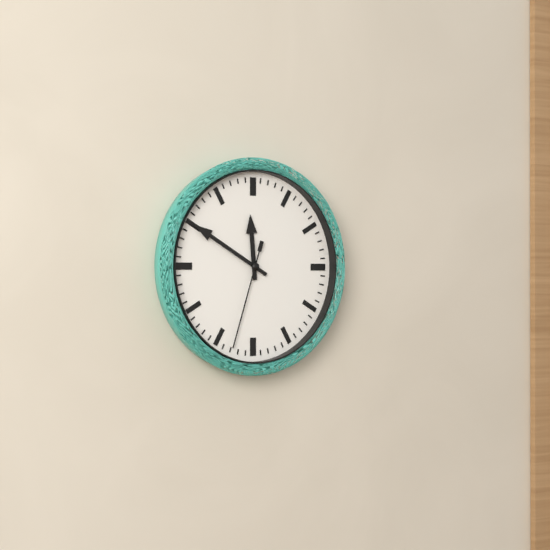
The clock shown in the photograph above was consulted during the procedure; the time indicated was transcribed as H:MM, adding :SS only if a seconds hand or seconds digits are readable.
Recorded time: 11:50:33
